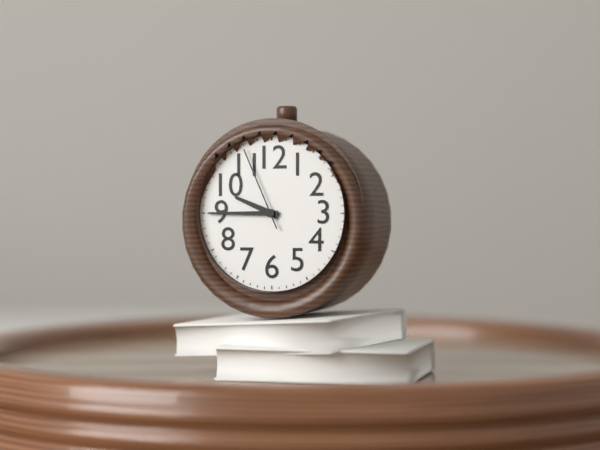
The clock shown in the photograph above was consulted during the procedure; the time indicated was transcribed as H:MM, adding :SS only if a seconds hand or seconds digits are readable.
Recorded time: 9:45:56
